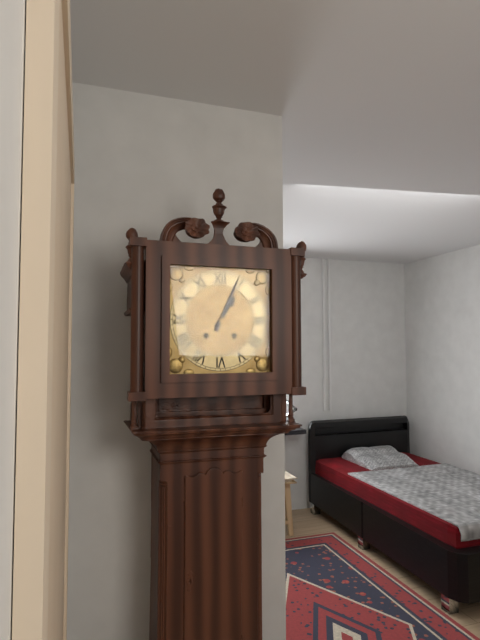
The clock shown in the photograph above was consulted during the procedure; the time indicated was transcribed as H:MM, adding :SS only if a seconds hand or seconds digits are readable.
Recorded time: 1:04
